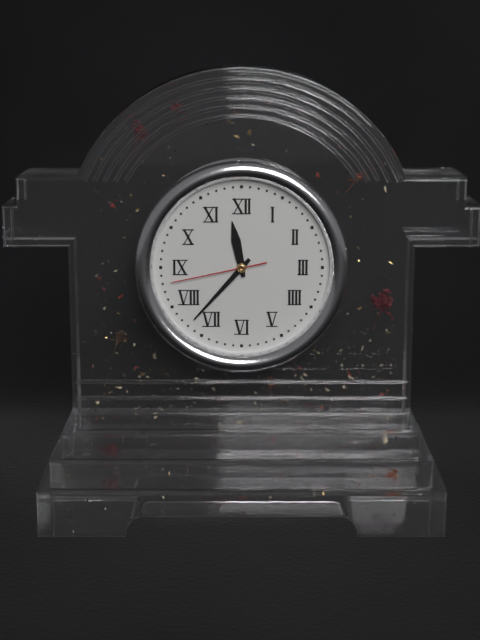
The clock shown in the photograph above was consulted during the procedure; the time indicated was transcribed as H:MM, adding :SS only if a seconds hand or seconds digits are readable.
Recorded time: 11:37:43
